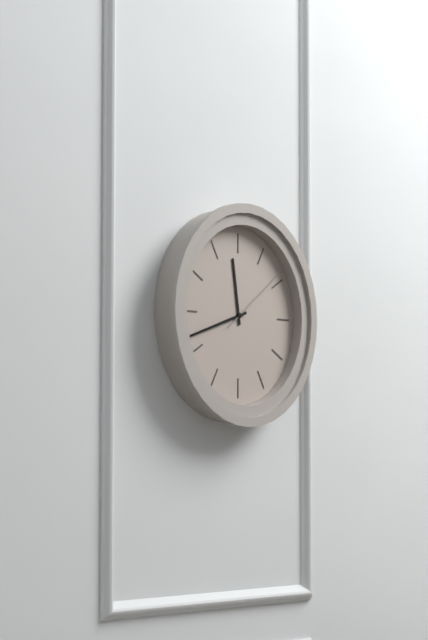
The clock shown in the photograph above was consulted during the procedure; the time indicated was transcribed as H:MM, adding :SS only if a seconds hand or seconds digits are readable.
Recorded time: 11:42:09
